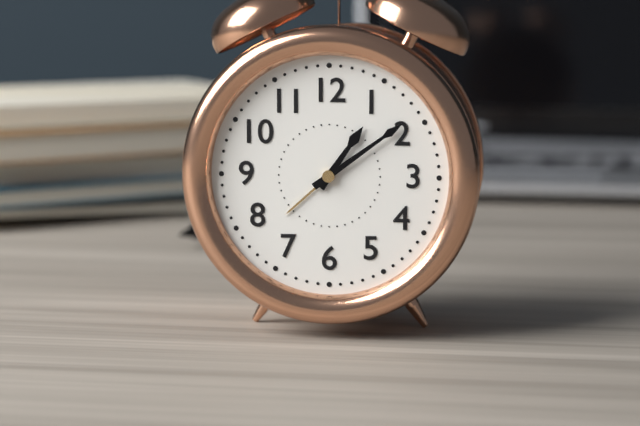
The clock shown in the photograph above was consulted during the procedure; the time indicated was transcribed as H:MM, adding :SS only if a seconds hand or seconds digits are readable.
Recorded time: 1:09
